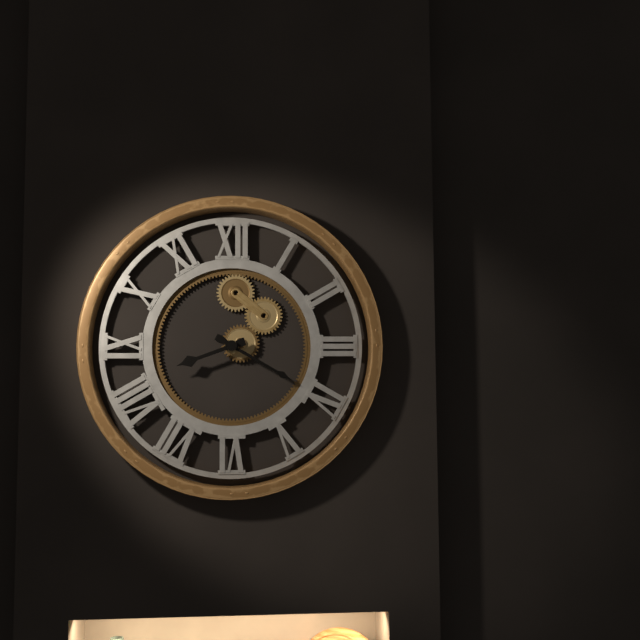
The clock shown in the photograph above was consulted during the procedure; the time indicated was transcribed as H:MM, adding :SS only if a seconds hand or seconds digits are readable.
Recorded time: 8:20
